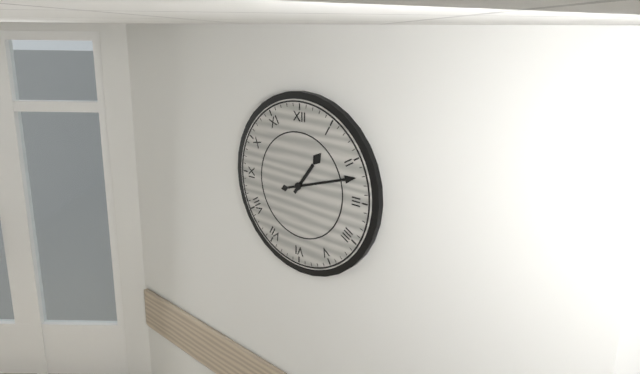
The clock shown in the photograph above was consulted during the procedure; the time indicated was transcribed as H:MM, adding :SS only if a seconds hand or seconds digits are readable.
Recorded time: 1:12
